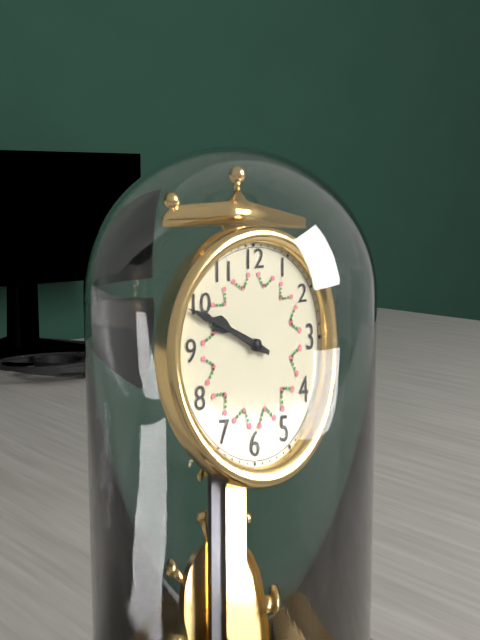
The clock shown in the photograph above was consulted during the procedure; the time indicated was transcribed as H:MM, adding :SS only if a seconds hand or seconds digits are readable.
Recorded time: 9:49
